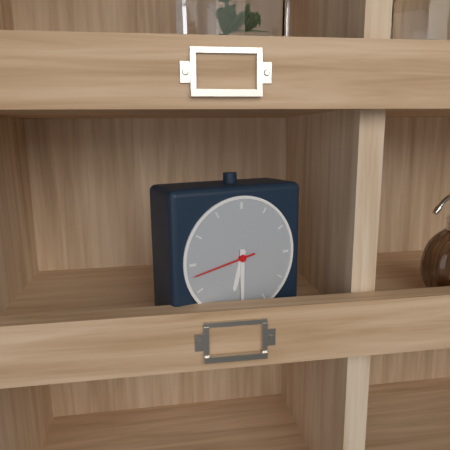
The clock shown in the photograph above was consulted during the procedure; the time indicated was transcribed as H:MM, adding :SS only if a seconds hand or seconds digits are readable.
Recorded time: 6:30:43
